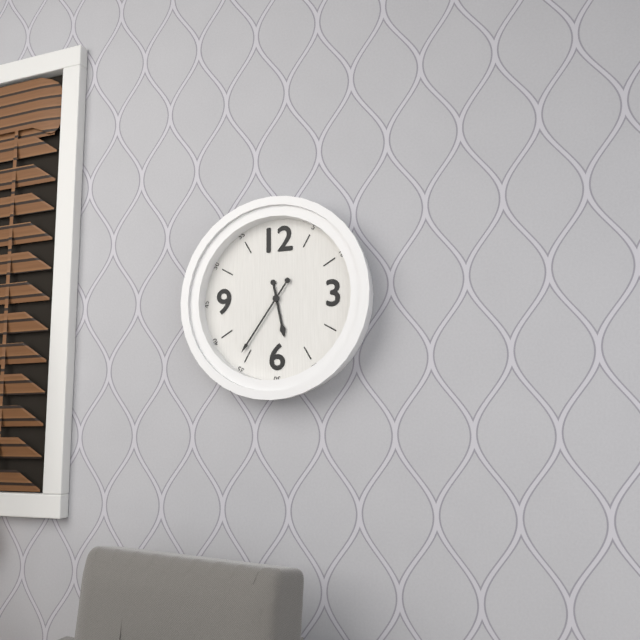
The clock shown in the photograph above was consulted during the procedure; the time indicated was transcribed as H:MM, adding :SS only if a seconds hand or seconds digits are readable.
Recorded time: 5:36
